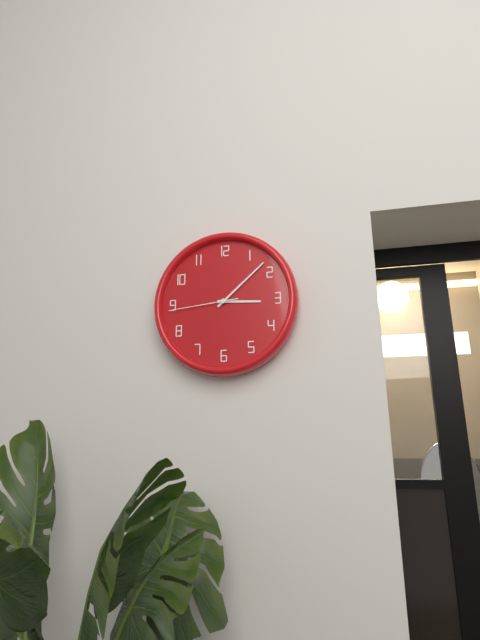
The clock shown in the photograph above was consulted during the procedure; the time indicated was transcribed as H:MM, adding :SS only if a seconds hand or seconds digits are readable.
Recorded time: 3:08:44
